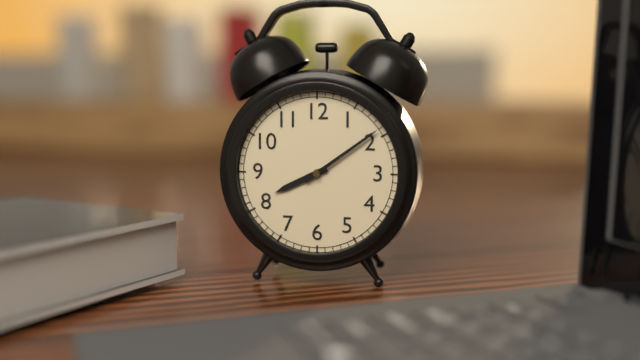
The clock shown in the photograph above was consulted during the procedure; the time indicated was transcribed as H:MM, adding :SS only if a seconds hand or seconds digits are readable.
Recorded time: 8:09
